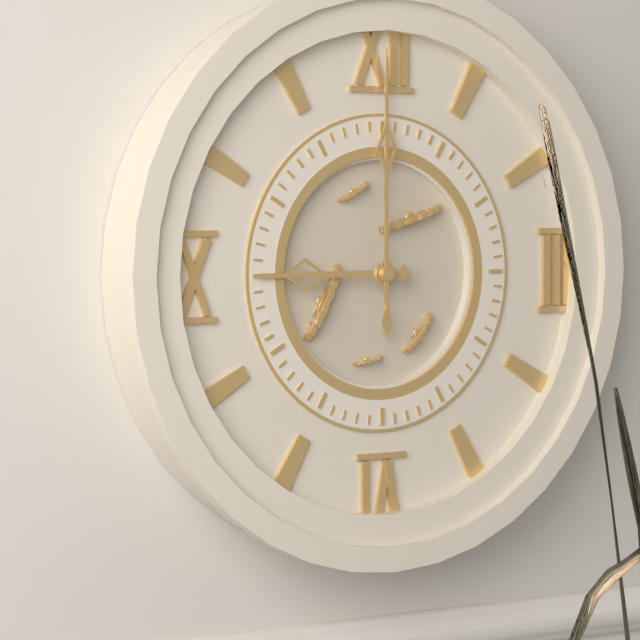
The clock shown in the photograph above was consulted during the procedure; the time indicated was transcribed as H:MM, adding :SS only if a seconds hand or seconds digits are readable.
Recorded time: 9:00
